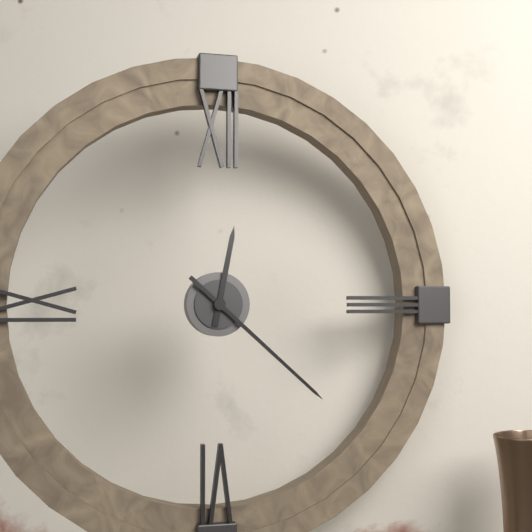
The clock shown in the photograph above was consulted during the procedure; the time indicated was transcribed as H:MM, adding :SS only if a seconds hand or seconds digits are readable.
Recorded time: 12:22
